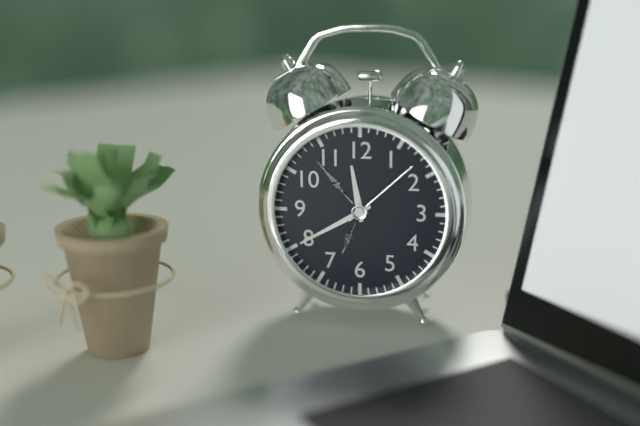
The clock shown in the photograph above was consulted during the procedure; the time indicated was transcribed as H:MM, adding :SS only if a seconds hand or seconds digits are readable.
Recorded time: 11:40
